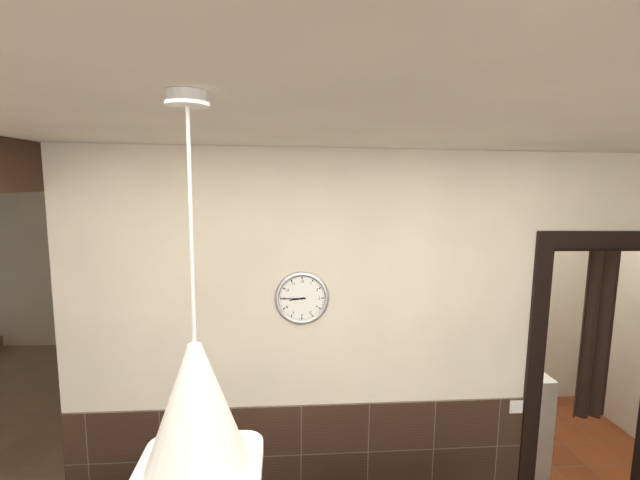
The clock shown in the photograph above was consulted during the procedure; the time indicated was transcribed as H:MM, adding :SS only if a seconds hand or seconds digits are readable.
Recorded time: 8:45
